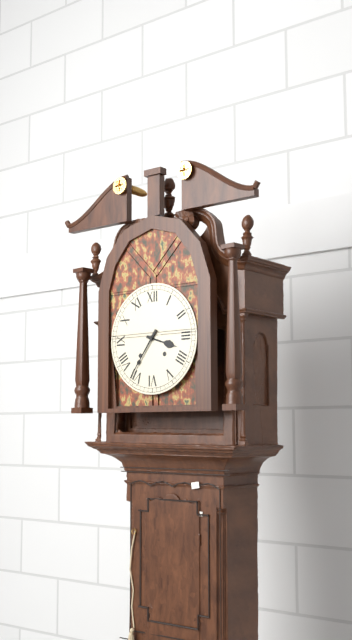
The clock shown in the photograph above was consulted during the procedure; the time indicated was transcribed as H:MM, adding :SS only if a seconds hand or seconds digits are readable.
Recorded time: 3:36
